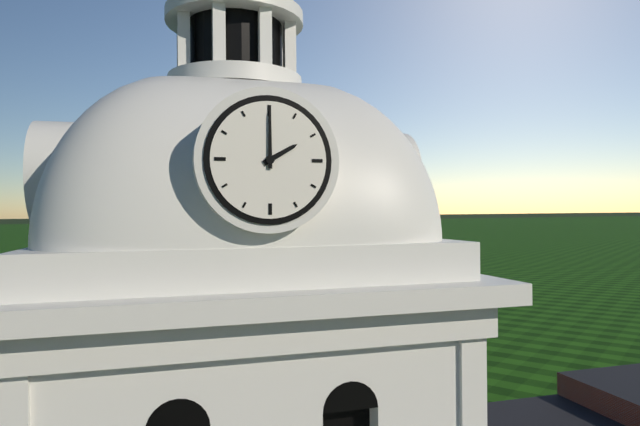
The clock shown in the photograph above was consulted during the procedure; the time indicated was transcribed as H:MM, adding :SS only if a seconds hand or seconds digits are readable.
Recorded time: 2:00
